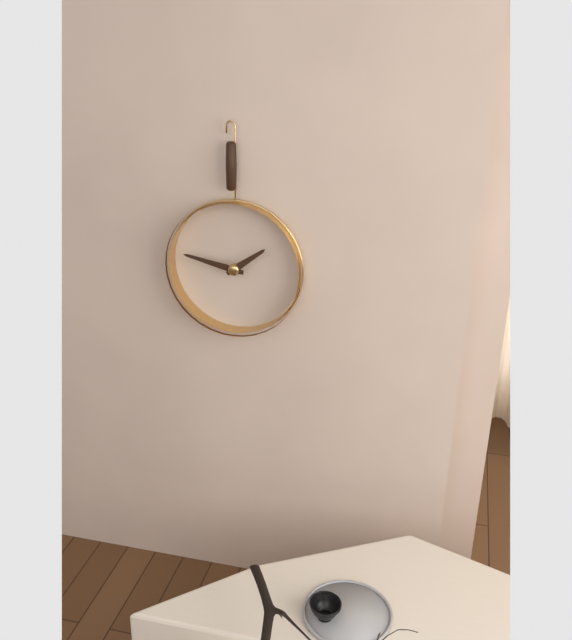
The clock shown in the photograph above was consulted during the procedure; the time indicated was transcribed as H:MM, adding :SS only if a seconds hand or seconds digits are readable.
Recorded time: 1:47
